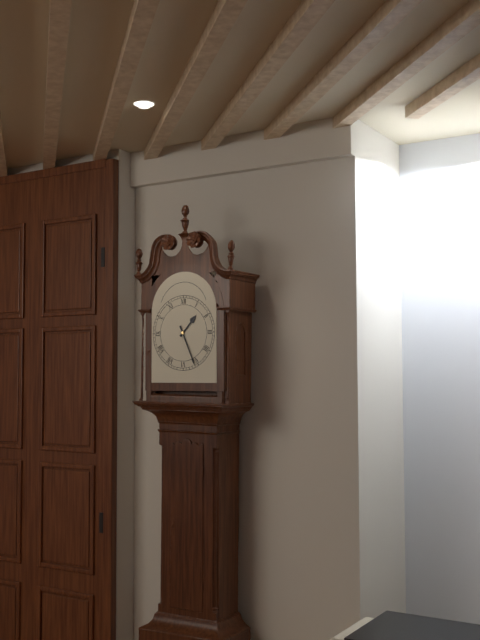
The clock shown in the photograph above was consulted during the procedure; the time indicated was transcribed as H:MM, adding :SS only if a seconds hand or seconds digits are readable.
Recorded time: 1:26
